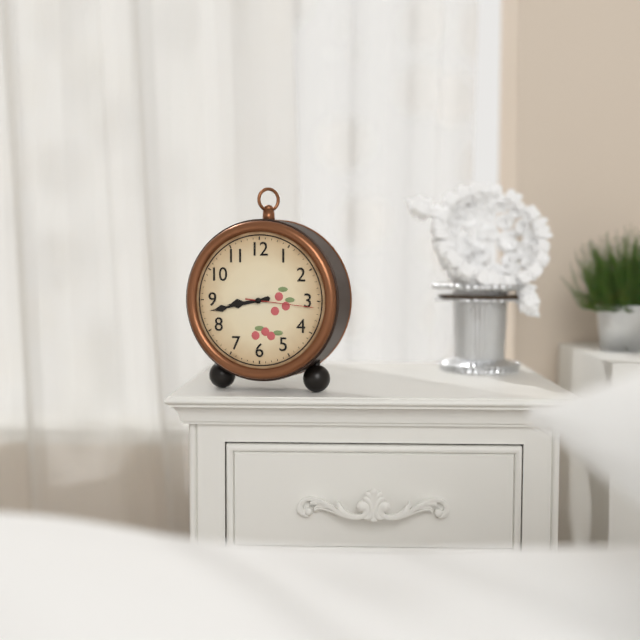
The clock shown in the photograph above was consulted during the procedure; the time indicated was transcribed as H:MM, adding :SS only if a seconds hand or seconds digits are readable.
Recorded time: 8:43:16
